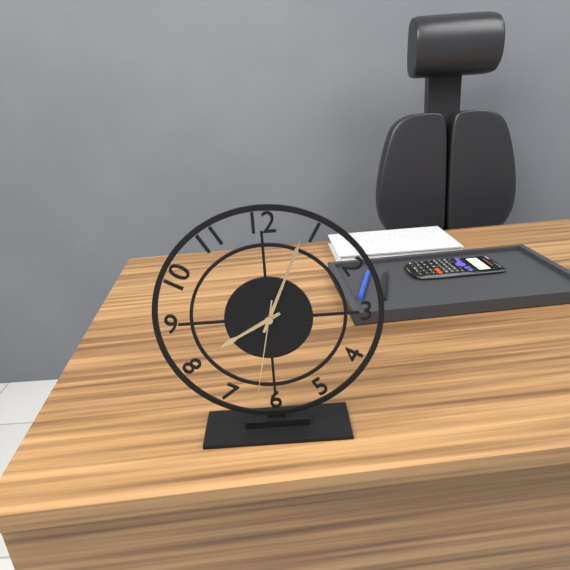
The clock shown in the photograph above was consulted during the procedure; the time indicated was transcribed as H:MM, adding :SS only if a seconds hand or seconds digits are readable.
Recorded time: 8:04:32
